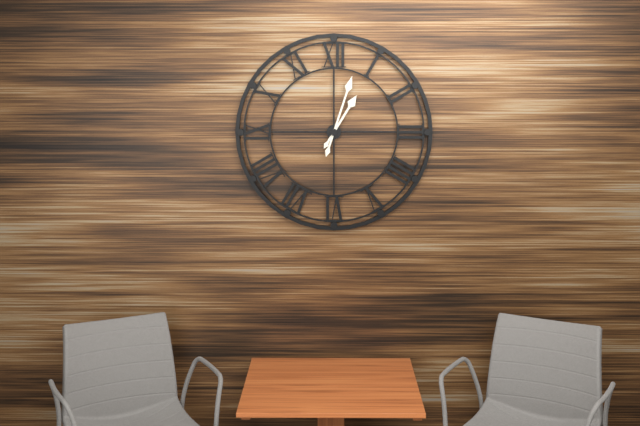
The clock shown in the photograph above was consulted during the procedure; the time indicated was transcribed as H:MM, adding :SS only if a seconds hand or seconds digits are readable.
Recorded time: 1:03
